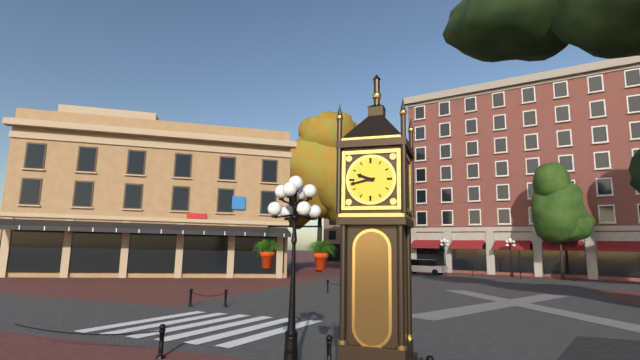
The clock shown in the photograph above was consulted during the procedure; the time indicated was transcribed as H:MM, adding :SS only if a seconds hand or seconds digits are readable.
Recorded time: 9:43
